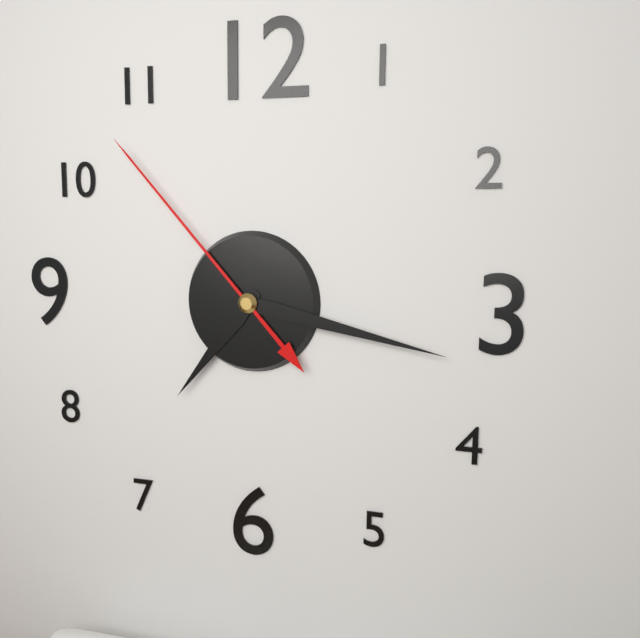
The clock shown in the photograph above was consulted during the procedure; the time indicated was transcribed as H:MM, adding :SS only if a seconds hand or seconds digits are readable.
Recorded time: 7:17:53
